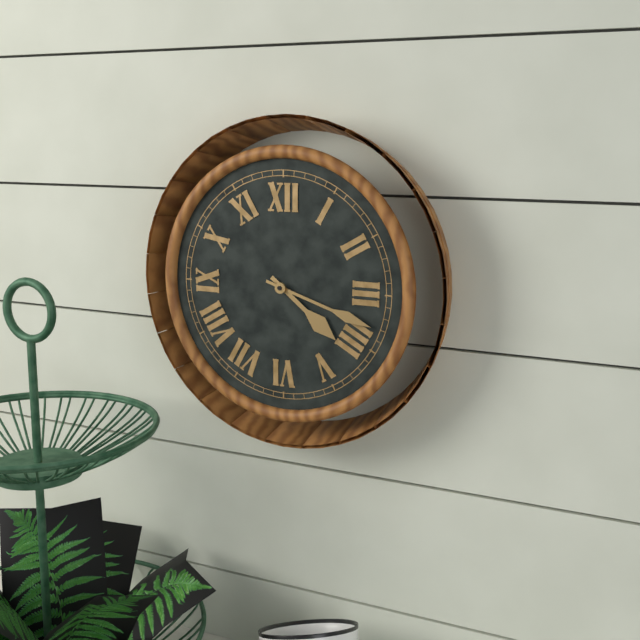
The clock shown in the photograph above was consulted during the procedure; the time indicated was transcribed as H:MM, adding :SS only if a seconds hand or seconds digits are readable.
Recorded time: 4:18
